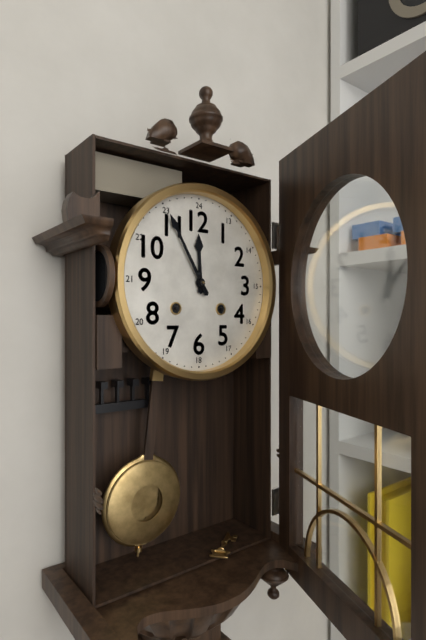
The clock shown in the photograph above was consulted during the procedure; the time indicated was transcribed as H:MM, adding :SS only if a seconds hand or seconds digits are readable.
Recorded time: 11:55
